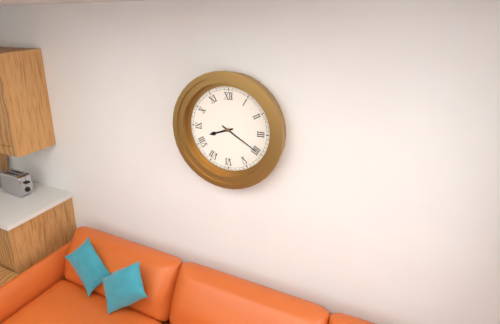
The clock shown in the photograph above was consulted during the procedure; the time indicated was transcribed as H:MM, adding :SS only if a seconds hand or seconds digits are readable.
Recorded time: 8:20
